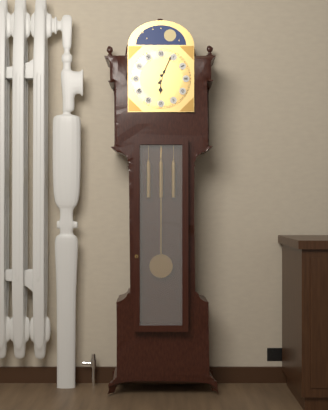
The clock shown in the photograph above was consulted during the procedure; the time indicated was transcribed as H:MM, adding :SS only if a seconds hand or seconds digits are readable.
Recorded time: 6:04
